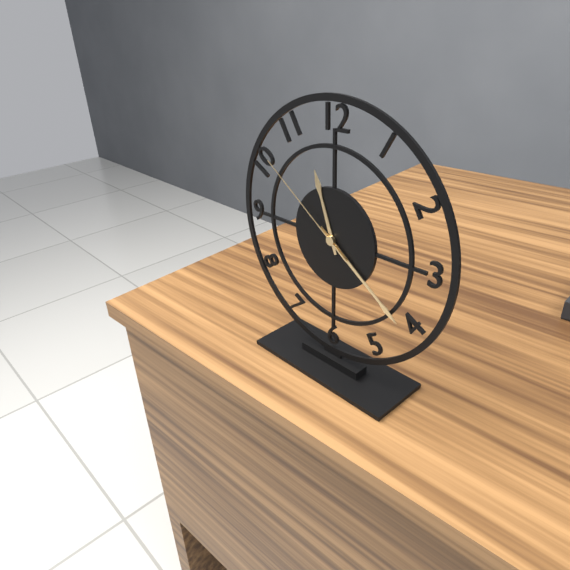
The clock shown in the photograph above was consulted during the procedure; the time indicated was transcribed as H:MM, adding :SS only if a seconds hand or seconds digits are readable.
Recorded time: 11:21:51
